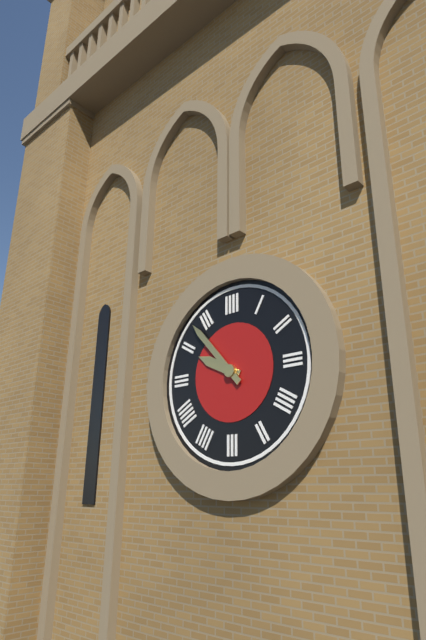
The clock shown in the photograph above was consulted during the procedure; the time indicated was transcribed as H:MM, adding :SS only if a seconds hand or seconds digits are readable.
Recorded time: 9:53
